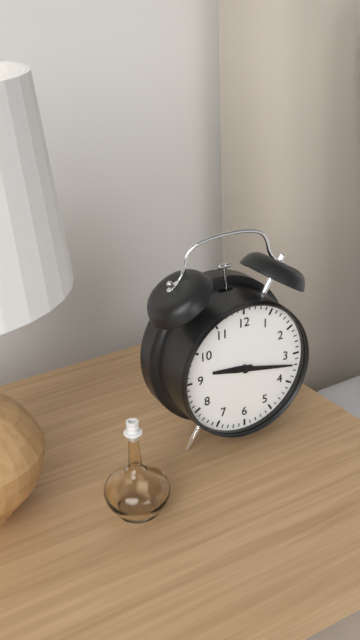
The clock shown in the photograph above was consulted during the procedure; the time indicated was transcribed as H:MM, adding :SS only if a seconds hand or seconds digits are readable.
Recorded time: 9:17
